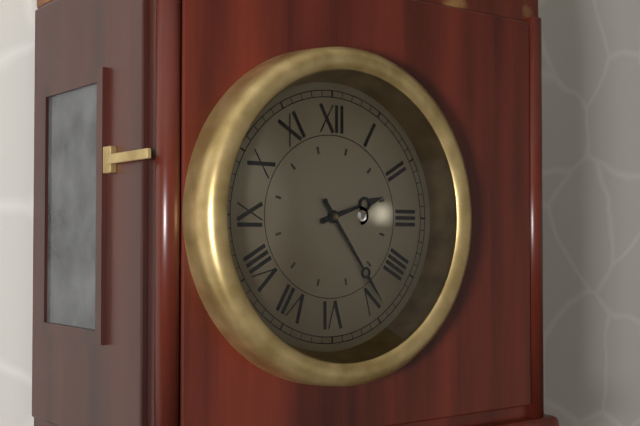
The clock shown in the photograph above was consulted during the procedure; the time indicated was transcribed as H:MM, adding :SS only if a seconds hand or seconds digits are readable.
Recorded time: 2:24
